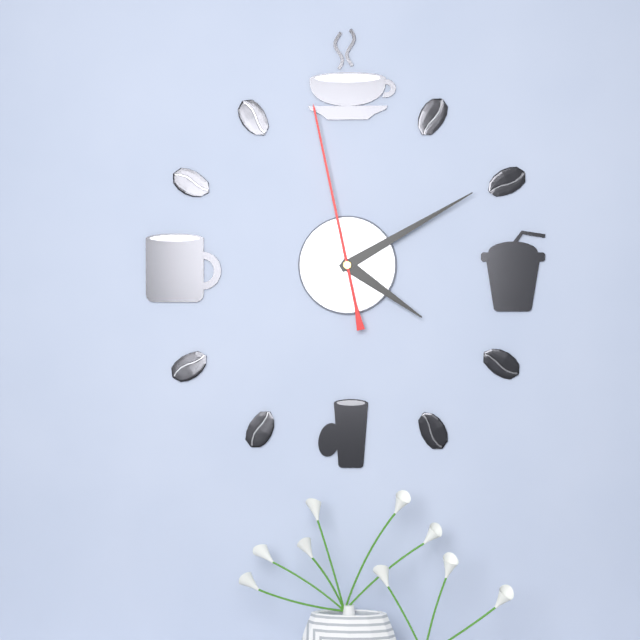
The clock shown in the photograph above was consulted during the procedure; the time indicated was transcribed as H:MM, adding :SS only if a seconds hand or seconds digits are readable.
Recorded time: 4:10:58
